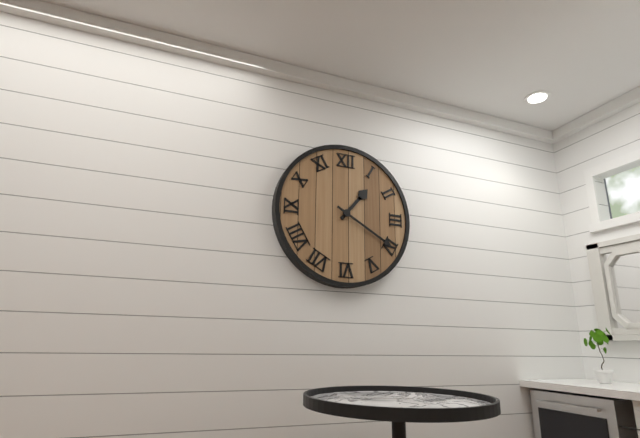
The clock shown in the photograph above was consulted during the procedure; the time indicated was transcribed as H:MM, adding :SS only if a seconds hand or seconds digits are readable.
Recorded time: 1:20
